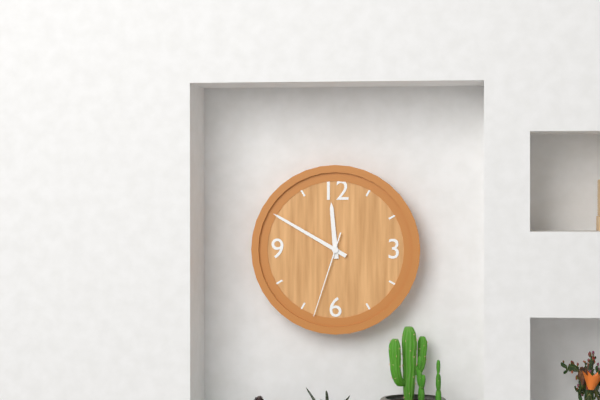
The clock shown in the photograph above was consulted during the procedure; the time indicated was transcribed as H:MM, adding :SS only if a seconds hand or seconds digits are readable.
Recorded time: 11:50:33
